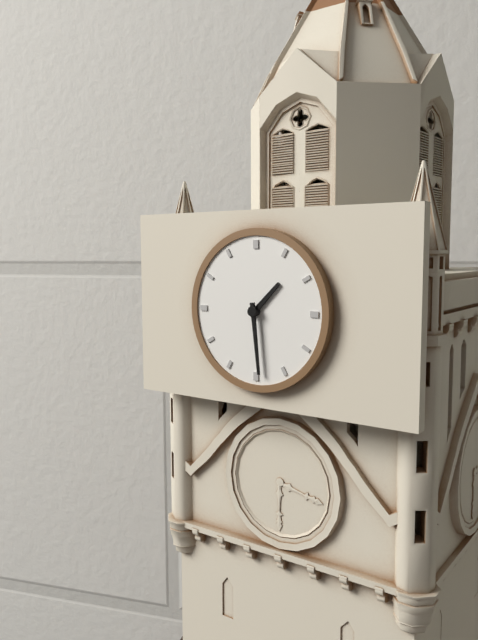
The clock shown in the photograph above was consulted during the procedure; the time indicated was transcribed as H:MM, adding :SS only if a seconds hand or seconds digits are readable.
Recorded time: 1:29
